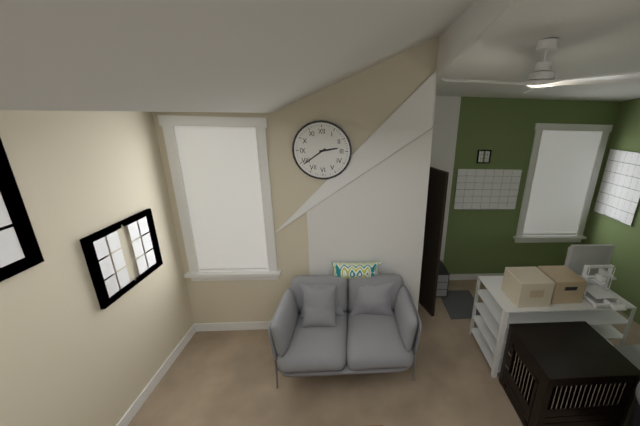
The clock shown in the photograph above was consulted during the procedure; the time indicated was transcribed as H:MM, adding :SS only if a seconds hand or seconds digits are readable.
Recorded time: 2:39
